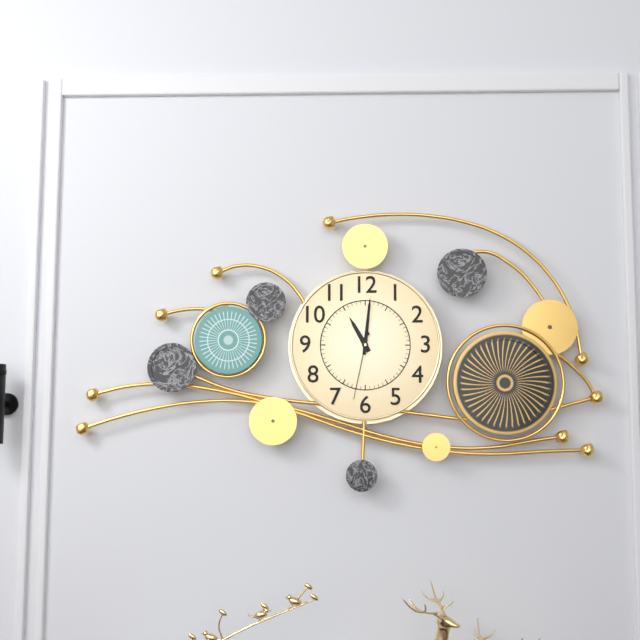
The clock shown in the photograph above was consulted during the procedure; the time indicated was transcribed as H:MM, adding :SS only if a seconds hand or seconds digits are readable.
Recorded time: 11:01:32
